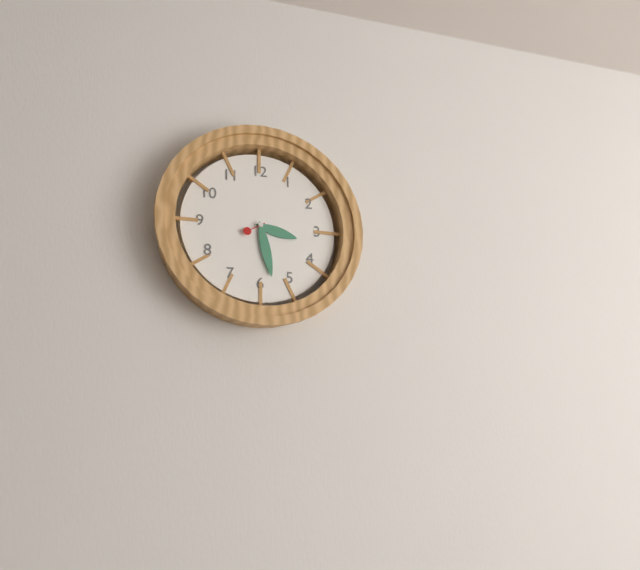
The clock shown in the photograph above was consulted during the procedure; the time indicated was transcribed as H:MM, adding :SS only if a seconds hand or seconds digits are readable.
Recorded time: 3:28
